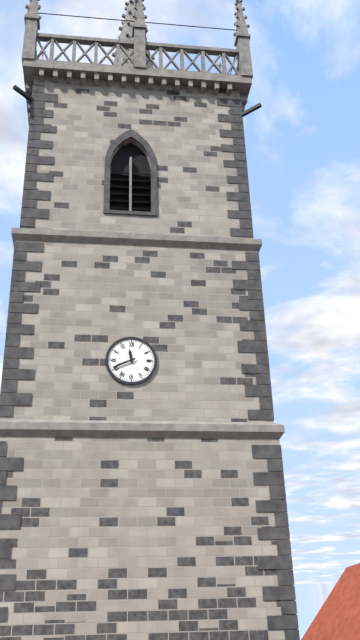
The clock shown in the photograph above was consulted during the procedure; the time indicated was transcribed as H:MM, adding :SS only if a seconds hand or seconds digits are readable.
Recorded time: 11:41
